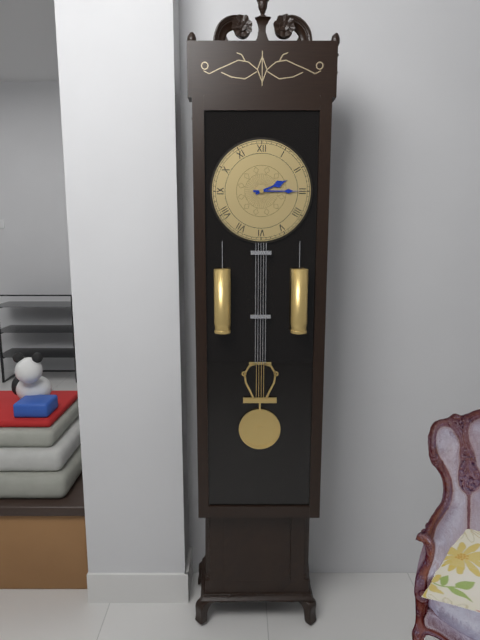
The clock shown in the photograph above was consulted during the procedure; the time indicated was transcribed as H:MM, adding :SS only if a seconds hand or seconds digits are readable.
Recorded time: 2:15
